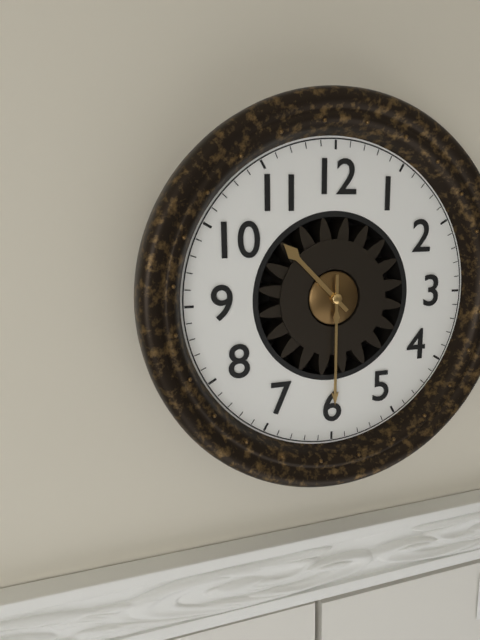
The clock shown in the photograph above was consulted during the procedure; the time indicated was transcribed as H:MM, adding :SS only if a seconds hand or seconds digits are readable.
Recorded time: 10:30
